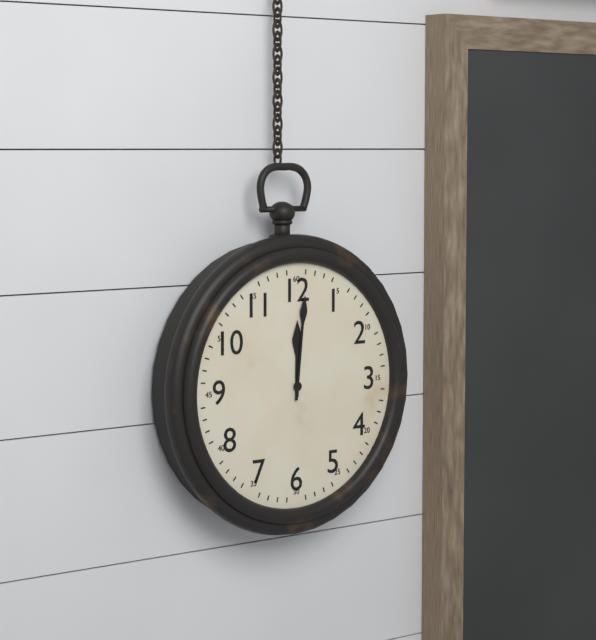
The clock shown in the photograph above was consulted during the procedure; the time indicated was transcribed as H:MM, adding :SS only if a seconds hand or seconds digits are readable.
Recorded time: 12:01
